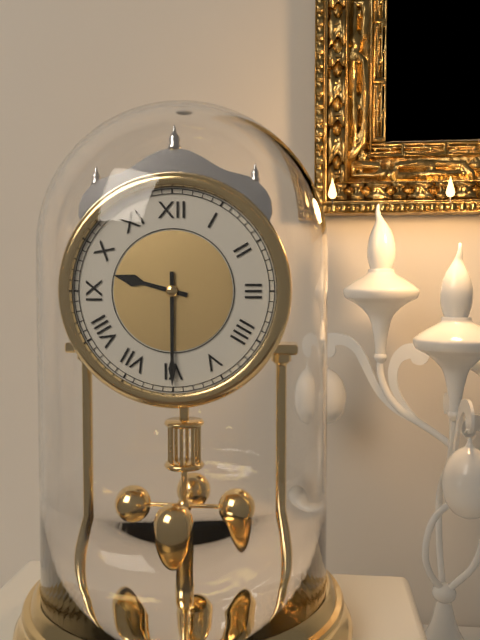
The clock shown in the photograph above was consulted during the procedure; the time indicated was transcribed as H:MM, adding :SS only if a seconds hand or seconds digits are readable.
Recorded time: 9:30
